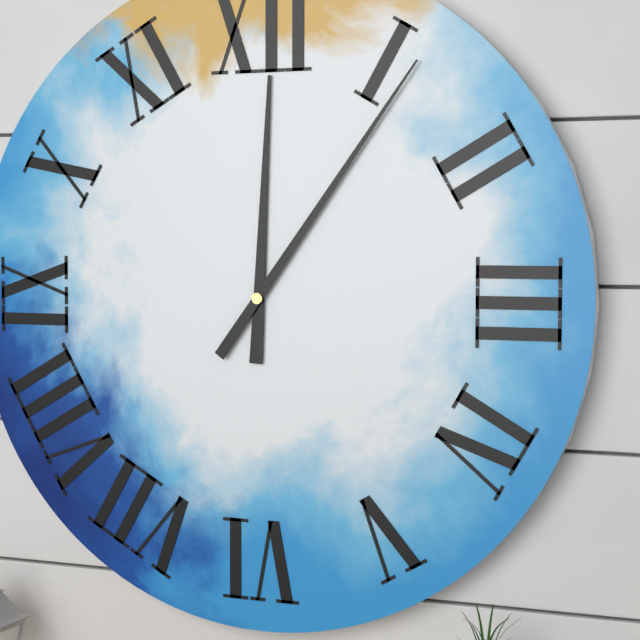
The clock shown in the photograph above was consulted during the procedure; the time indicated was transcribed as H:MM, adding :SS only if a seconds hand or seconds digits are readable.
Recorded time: 12:06
